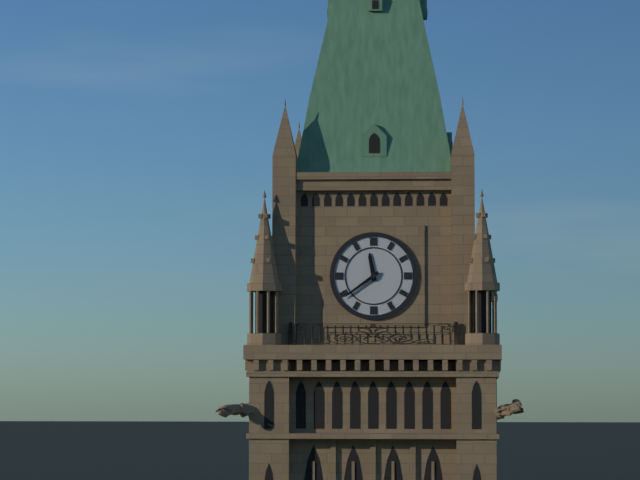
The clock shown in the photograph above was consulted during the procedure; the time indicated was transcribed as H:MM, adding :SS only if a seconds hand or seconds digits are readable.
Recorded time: 11:39
